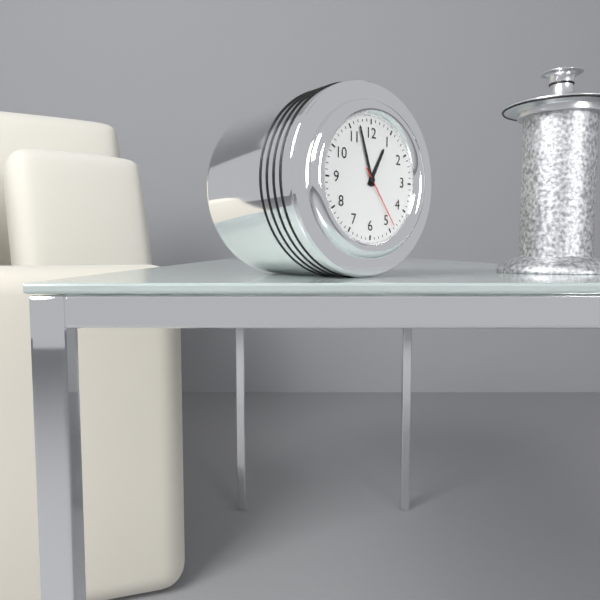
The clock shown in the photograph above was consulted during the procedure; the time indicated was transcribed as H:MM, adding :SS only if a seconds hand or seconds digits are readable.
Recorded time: 12:57:24
